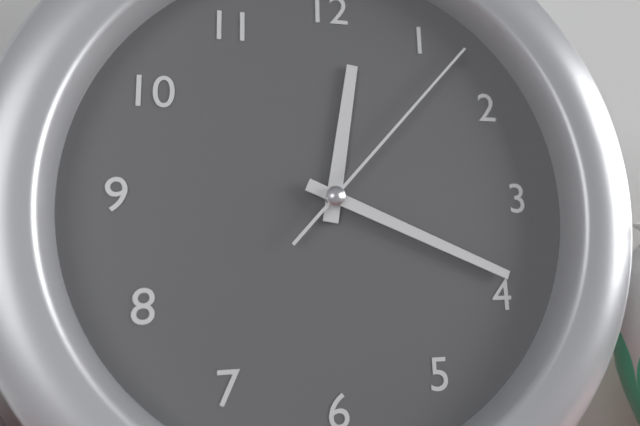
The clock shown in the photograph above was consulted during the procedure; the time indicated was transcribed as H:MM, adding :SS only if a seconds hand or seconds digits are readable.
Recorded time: 12:19:07
